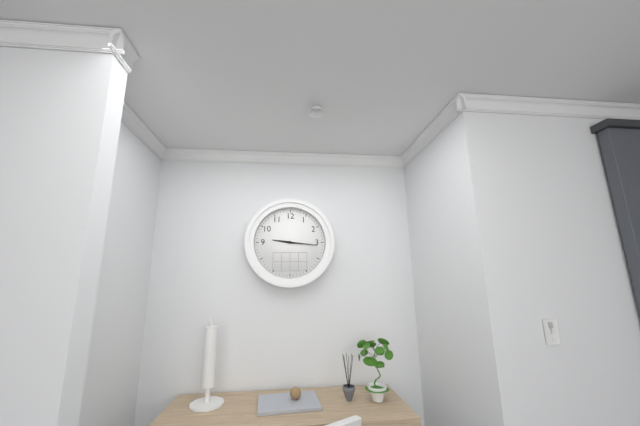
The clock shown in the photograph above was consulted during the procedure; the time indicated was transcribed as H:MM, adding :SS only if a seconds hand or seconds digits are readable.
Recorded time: 9:16
